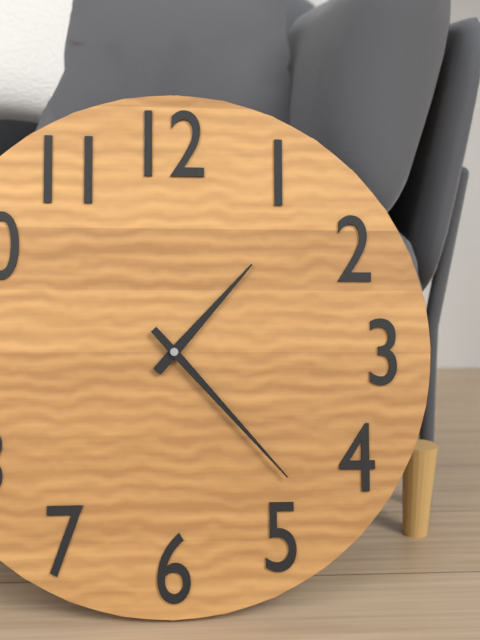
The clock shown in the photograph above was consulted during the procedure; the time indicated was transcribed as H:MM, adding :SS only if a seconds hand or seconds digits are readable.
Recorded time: 1:23
